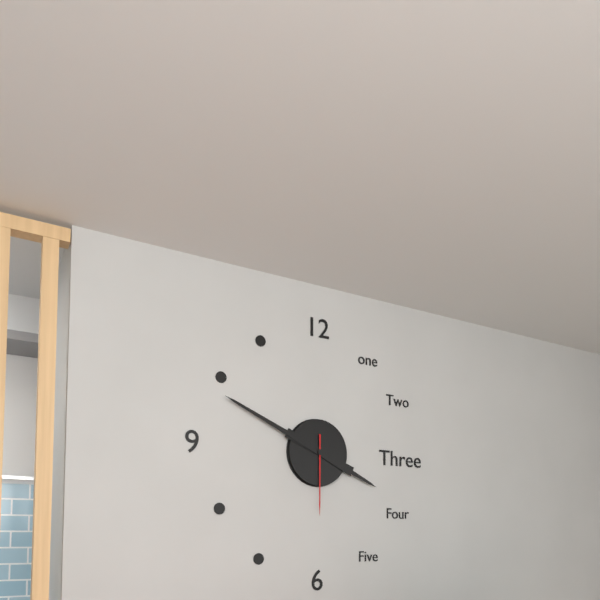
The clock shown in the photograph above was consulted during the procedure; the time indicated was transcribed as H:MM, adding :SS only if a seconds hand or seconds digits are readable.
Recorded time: 3:49:30
